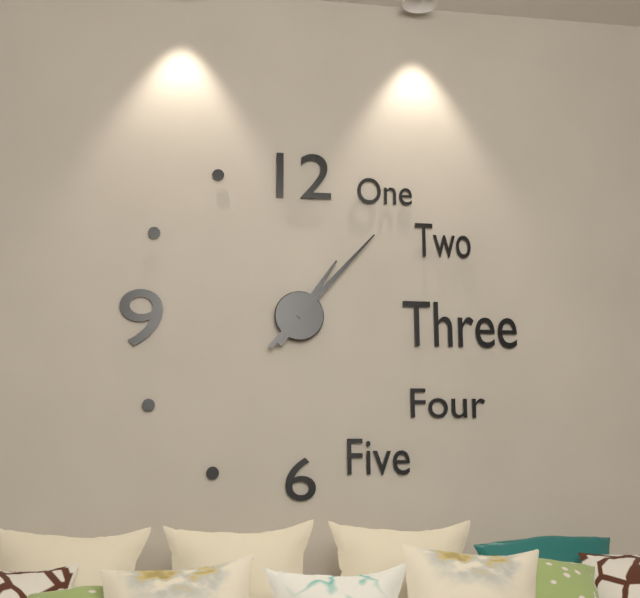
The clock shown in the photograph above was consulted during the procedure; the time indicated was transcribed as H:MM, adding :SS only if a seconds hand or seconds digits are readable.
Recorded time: 1:07
